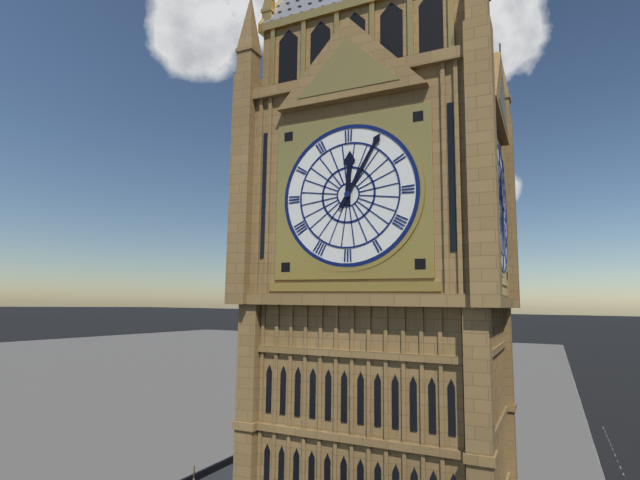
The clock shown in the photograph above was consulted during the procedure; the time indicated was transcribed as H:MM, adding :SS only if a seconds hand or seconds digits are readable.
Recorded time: 12:05
